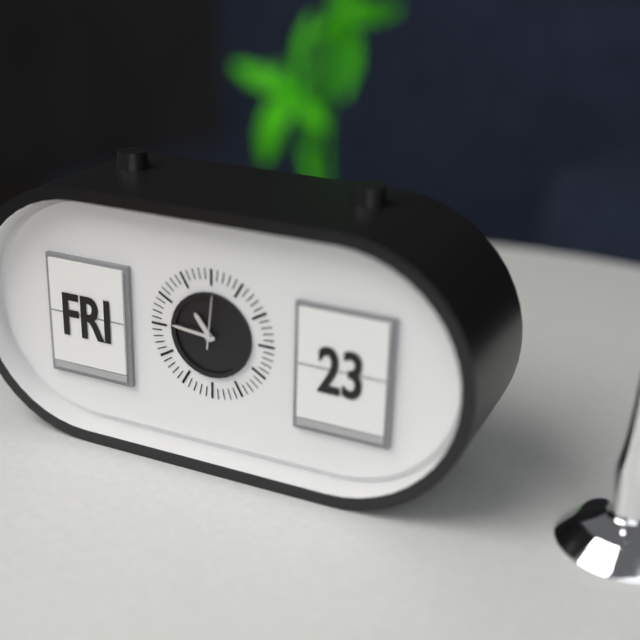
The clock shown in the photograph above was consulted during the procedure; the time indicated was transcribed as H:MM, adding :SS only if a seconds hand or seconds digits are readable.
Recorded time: 10:46
